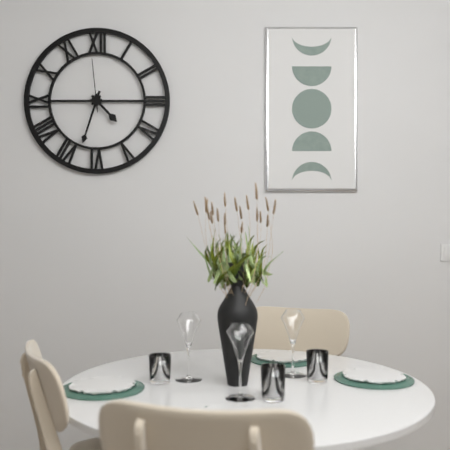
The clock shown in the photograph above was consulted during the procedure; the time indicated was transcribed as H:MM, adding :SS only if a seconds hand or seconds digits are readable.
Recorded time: 4:33:59
